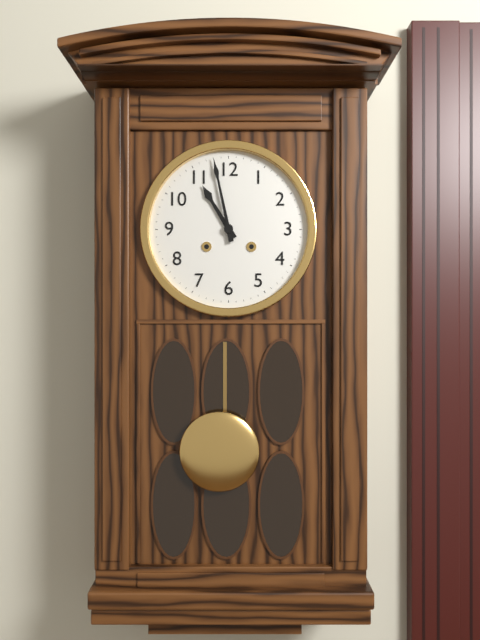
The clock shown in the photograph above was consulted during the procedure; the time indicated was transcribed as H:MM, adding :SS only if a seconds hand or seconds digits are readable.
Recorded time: 10:58
